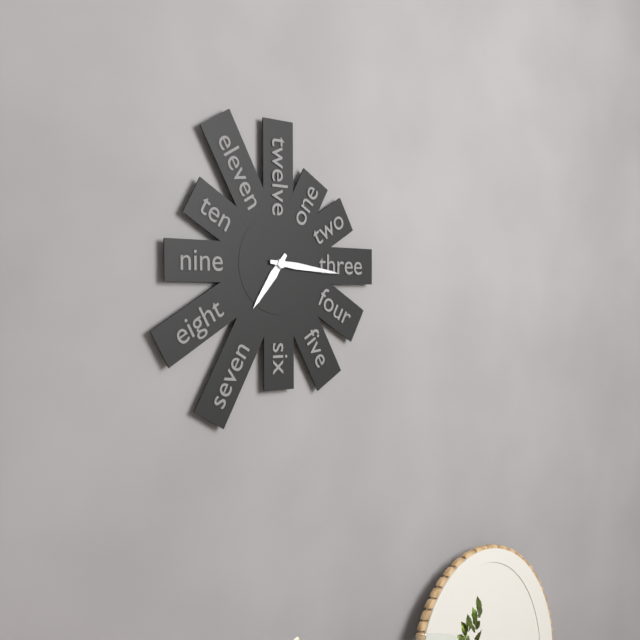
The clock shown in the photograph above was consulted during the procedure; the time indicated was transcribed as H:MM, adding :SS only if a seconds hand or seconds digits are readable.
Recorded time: 7:16
